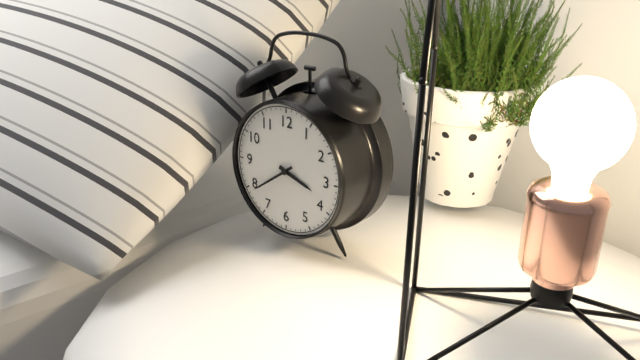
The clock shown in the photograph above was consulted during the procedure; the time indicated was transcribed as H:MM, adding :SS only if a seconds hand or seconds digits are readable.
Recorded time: 3:39
